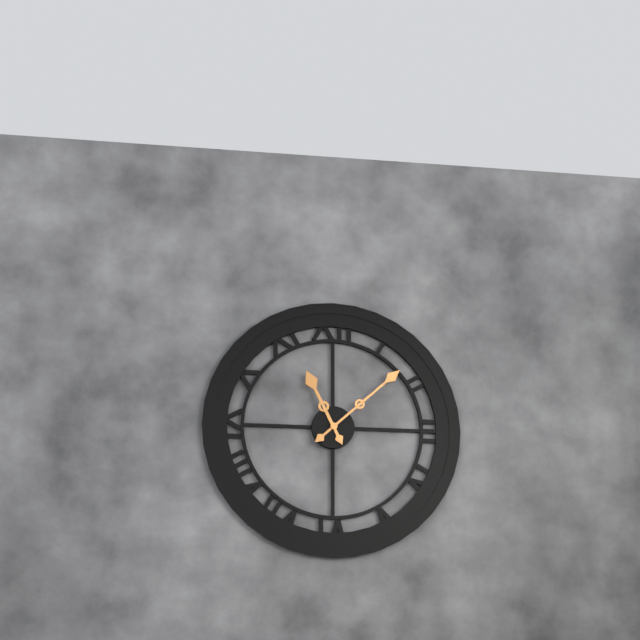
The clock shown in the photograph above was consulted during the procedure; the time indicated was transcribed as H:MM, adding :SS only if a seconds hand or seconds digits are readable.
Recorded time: 11:08
